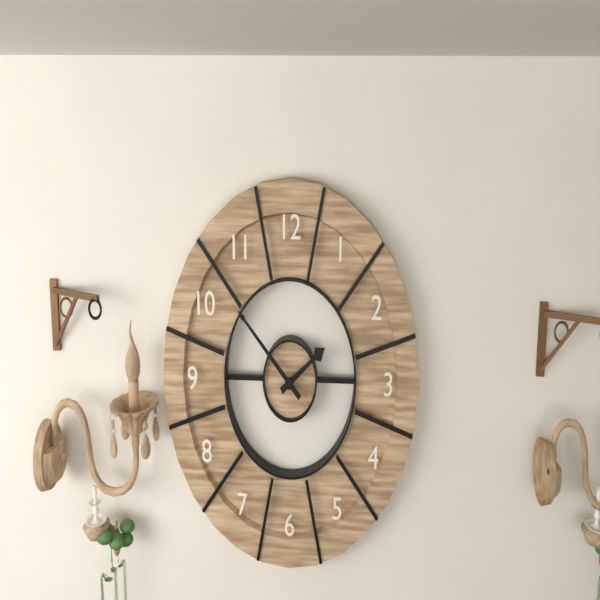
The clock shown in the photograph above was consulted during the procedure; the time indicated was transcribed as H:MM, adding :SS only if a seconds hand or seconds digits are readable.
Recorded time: 1:52
